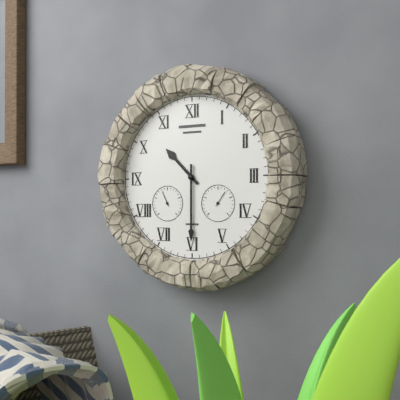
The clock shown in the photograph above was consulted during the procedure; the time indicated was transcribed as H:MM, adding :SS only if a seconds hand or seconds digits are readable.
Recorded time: 10:30
